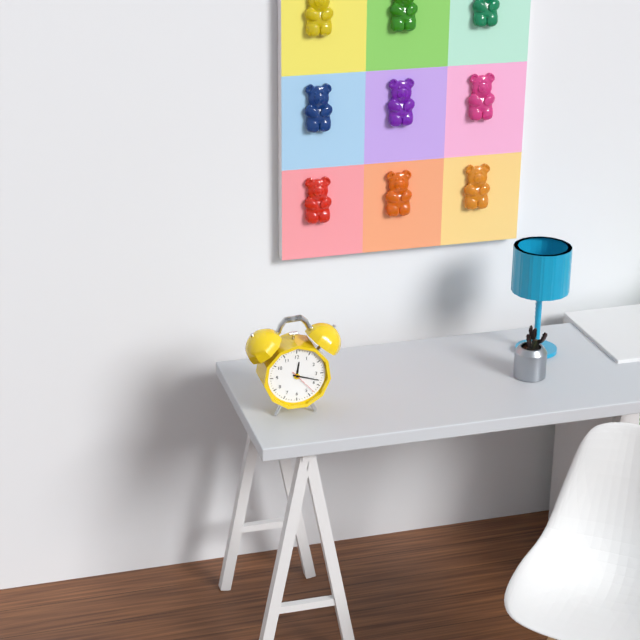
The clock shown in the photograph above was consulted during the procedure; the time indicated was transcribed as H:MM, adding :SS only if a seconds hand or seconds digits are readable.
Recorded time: 12:18
